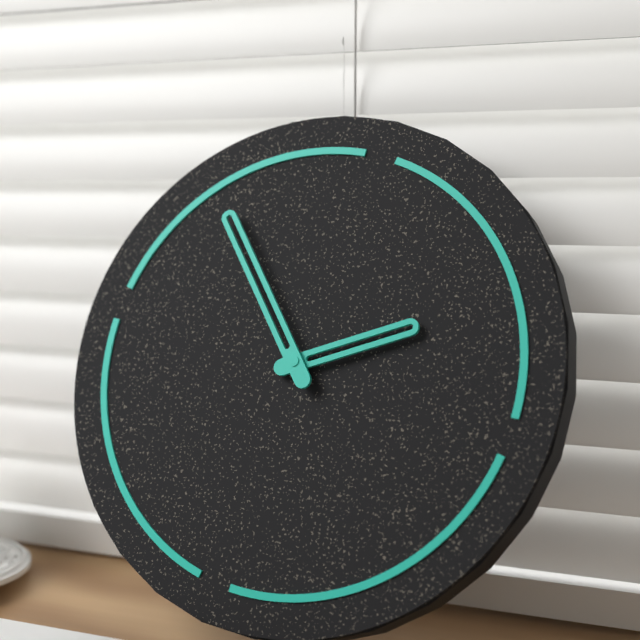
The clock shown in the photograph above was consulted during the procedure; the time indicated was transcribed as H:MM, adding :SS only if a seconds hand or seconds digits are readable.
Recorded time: 1:52
